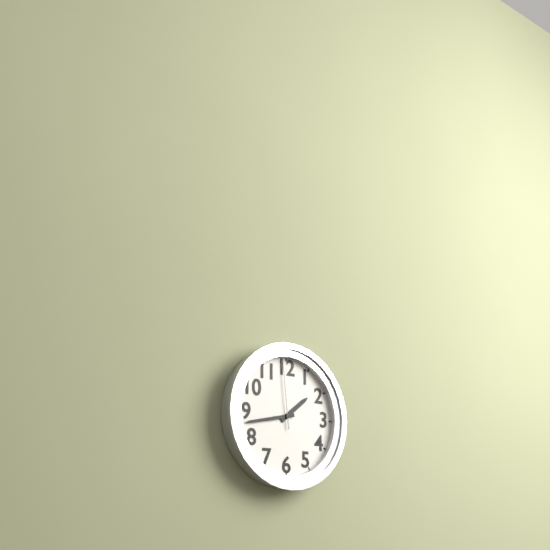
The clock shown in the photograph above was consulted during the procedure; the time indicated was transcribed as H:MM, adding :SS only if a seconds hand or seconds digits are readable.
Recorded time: 1:43:59
